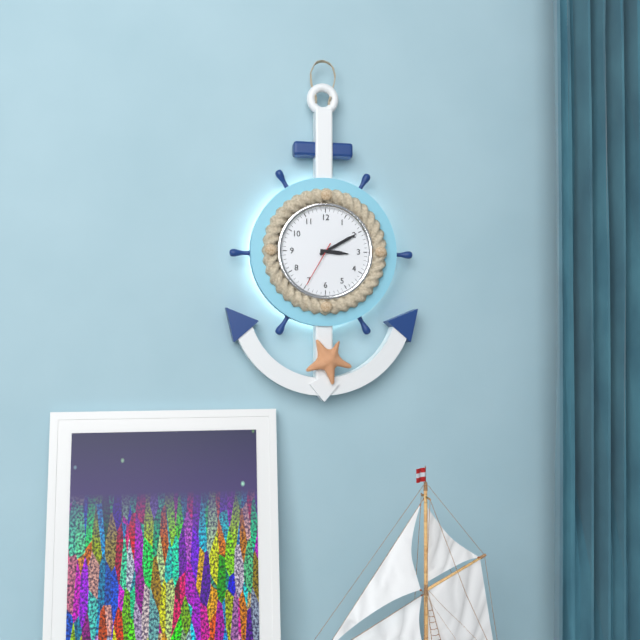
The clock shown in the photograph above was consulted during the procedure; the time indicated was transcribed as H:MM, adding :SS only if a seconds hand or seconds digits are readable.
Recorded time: 3:10
